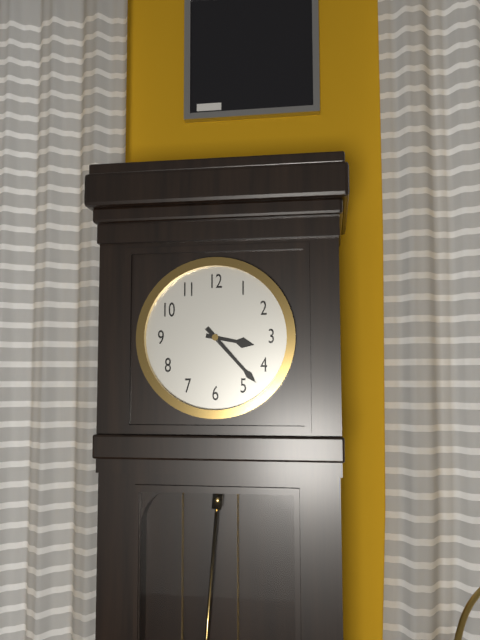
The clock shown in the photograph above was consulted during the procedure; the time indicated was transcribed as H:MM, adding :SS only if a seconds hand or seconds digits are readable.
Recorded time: 3:23
